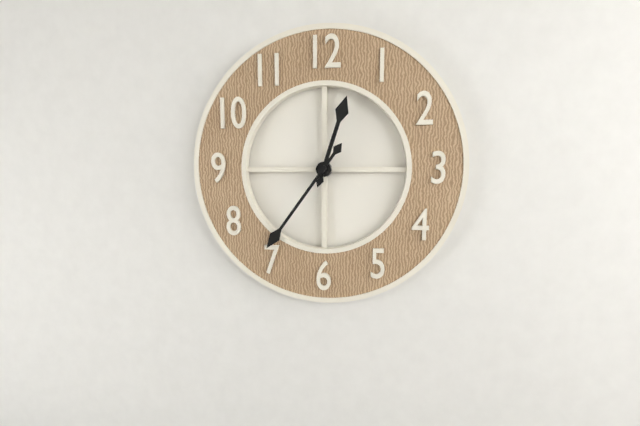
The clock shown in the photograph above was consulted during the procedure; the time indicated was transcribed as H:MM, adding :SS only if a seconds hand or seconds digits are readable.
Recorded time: 12:36
